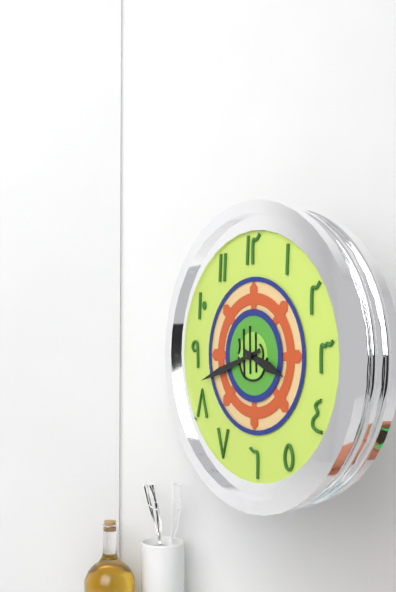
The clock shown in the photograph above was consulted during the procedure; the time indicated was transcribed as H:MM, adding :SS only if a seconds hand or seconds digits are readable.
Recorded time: 3:42
